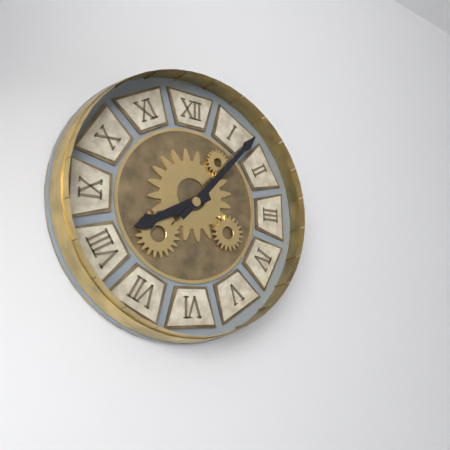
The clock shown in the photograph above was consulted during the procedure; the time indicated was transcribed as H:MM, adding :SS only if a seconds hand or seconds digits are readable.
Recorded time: 8:07
